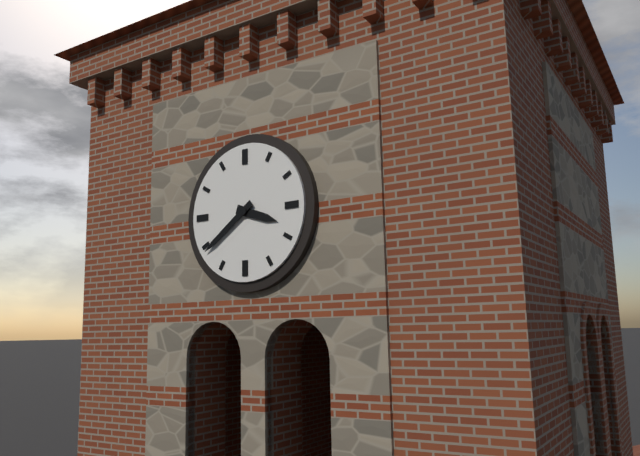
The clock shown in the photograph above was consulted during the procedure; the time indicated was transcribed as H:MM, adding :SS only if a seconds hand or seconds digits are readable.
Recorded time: 3:39
